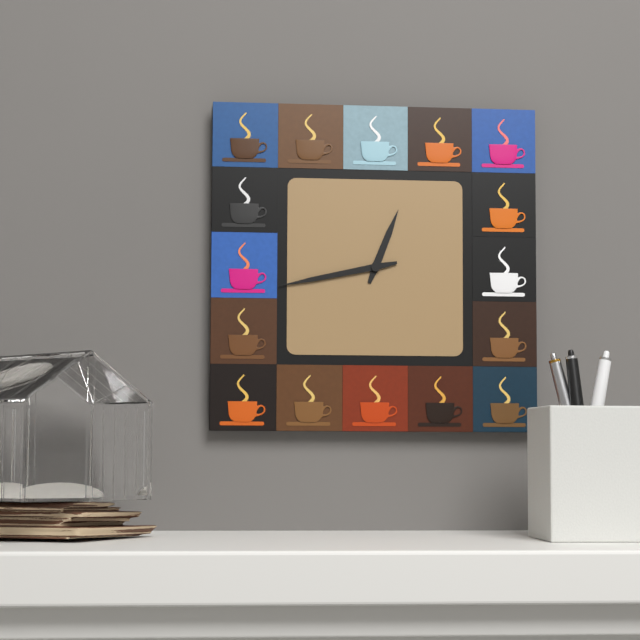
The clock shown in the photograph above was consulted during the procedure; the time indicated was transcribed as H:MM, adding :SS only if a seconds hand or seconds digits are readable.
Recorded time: 12:43
